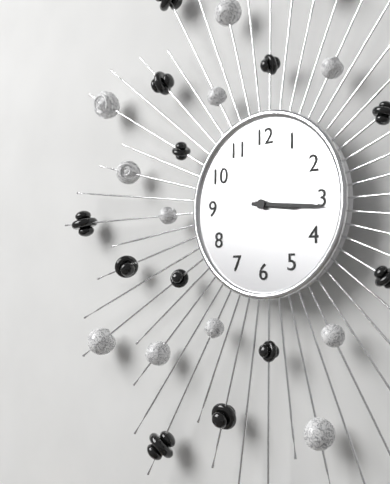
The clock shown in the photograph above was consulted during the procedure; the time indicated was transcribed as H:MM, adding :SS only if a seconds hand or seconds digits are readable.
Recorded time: 3:16
